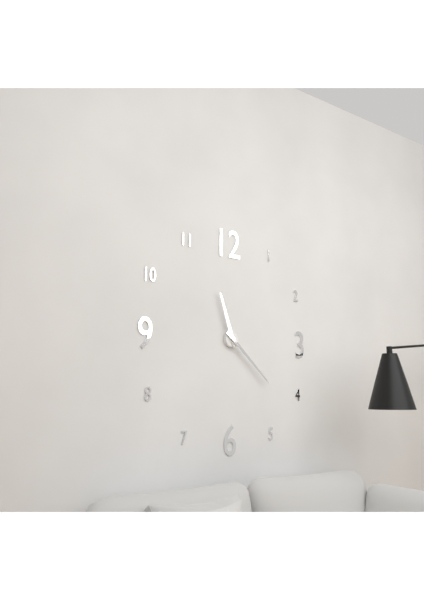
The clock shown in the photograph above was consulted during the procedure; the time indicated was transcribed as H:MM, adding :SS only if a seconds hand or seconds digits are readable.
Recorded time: 11:22
